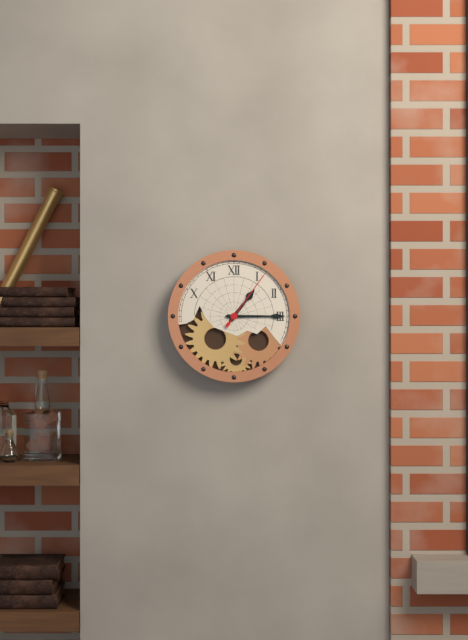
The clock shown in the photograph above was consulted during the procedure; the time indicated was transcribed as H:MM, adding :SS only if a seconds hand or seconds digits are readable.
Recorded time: 1:15:06
